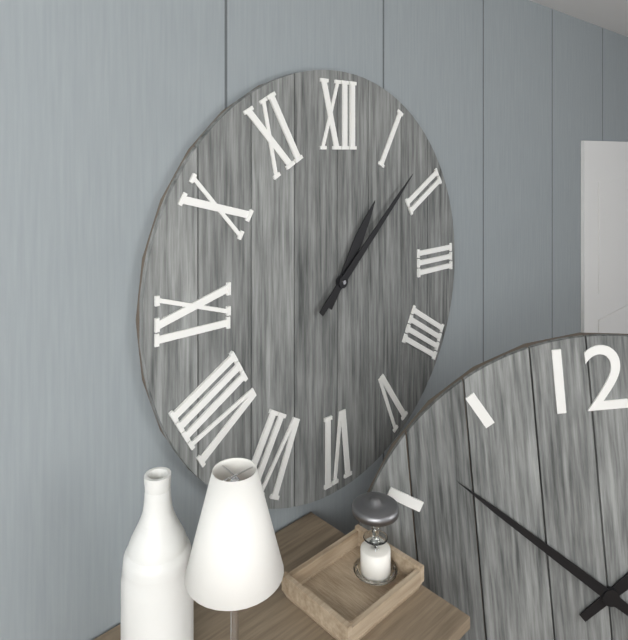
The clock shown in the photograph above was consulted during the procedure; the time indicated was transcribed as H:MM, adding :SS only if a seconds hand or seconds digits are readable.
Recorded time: 1:08
